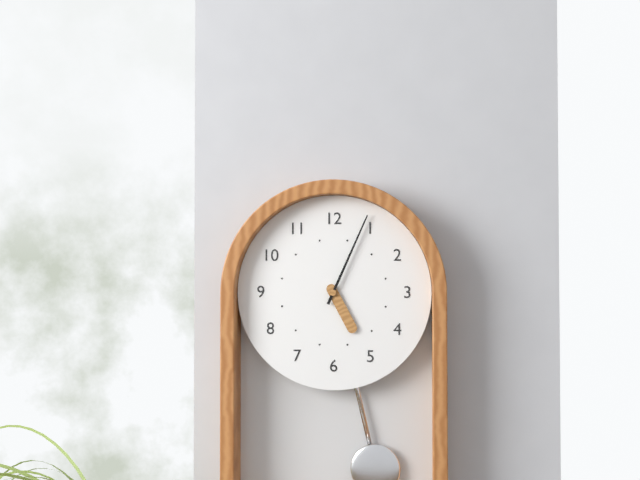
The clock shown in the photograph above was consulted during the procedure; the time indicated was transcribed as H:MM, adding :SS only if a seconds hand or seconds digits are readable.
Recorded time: 5:04
